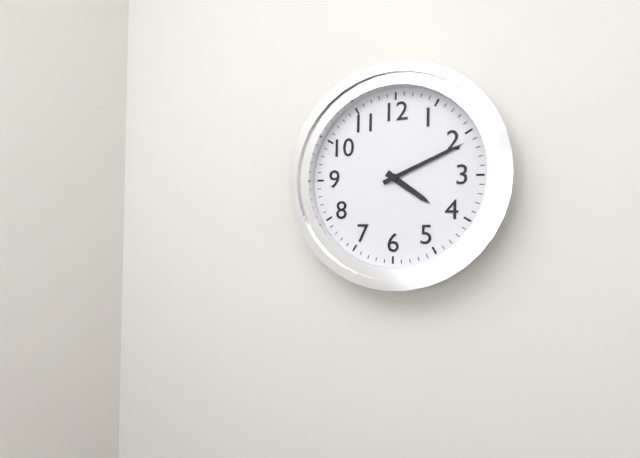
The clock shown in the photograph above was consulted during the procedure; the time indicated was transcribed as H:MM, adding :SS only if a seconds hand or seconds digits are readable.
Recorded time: 4:11
